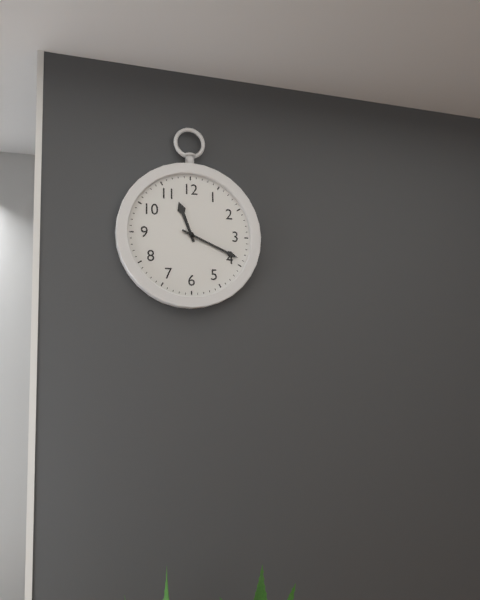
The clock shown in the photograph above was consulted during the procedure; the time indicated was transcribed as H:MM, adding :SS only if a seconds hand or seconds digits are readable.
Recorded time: 11:19
